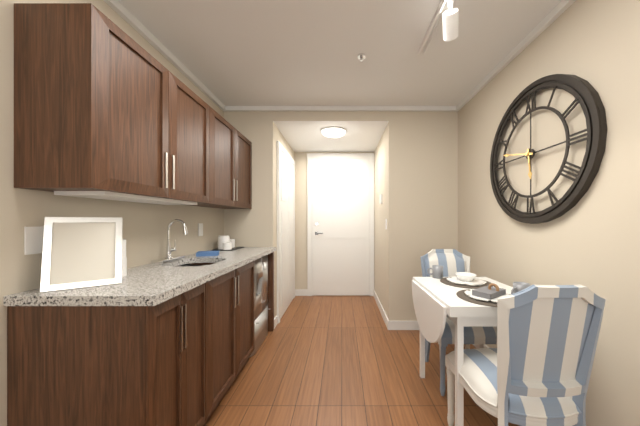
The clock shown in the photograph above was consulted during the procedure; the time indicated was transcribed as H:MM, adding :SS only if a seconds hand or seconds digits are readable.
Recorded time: 5:47
